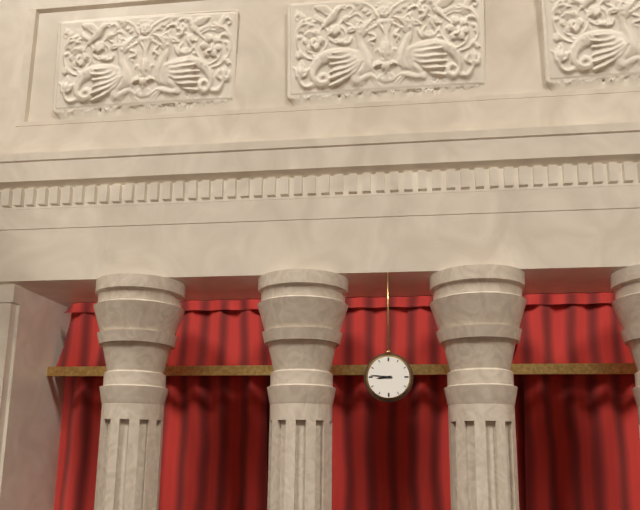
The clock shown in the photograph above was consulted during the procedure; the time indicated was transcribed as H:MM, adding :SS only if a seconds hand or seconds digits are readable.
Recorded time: 8:46
